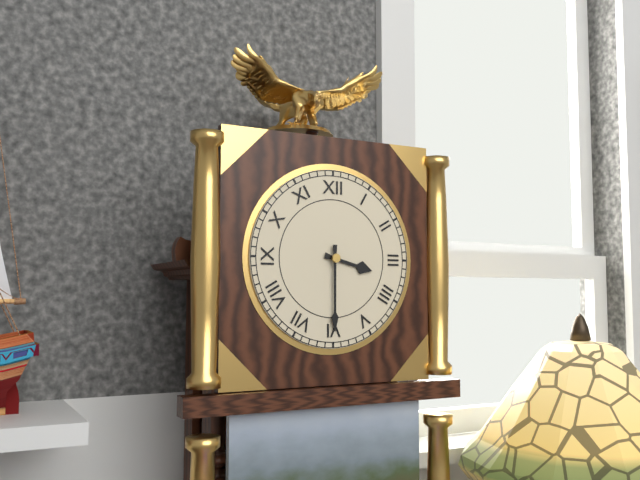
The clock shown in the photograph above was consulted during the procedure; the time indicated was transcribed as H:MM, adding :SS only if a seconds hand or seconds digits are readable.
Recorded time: 3:30
